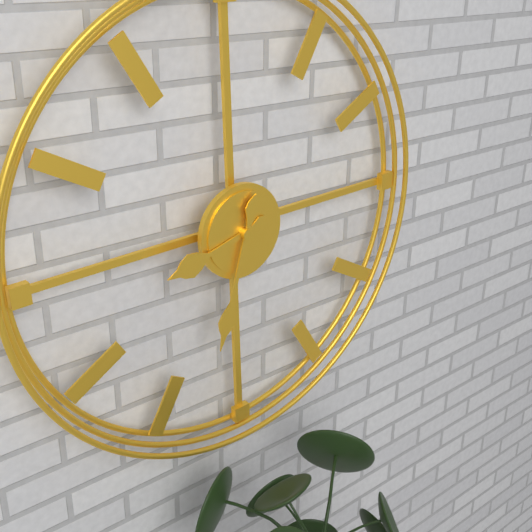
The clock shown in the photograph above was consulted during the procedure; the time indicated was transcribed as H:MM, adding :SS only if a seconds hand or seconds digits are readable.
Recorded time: 8:33
